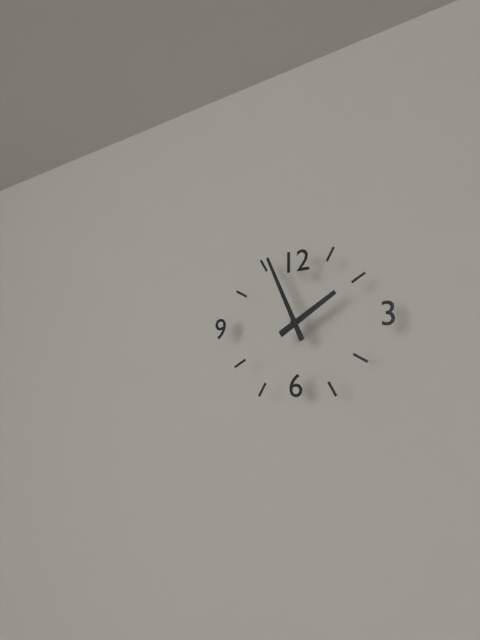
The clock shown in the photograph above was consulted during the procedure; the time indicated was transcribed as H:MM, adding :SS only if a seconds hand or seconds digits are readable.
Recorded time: 1:56
